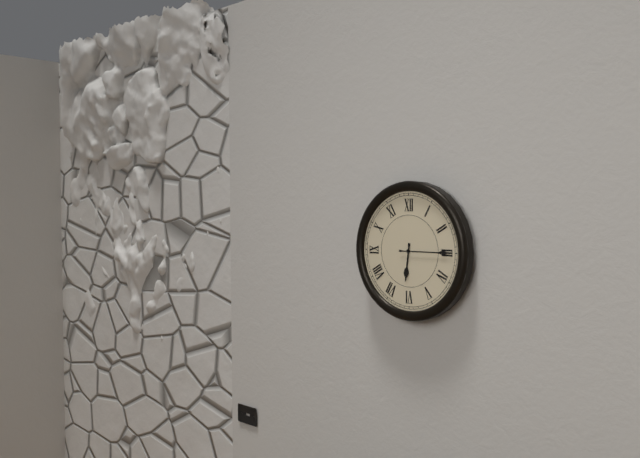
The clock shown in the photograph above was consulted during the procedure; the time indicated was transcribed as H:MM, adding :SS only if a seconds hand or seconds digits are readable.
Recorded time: 6:15
